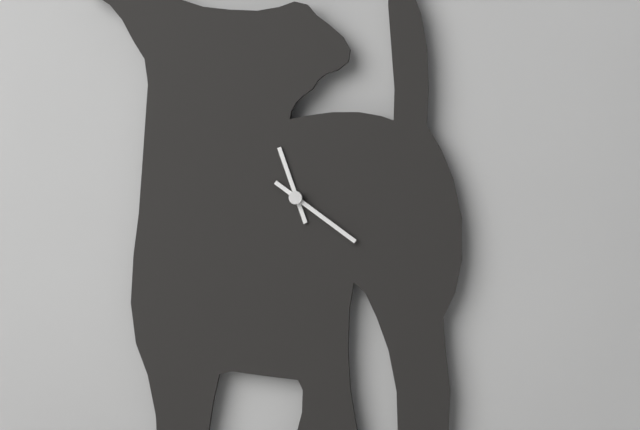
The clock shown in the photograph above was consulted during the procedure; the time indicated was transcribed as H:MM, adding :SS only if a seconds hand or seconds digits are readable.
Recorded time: 11:21
